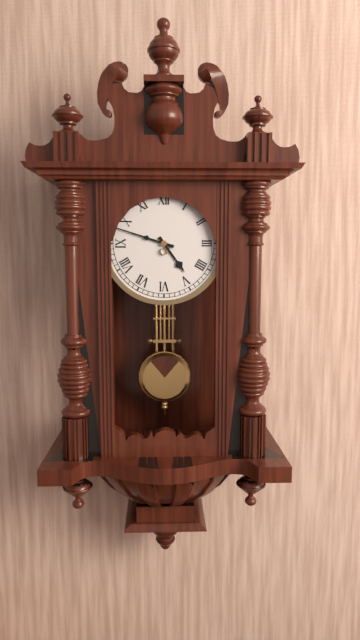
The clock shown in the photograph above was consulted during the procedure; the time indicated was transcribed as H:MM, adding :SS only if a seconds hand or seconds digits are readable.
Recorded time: 4:48
